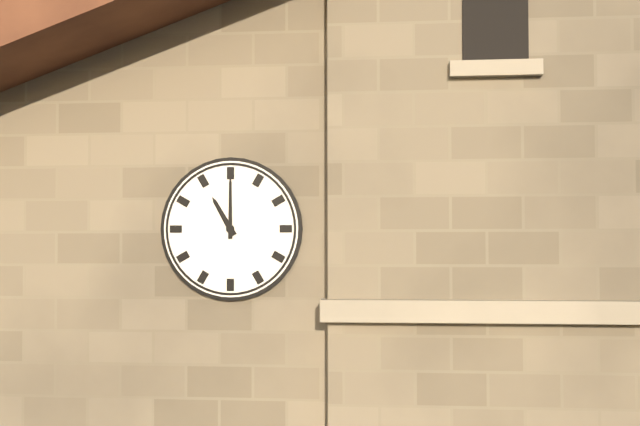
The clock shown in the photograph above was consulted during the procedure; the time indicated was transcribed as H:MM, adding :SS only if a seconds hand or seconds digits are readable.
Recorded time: 11:00
